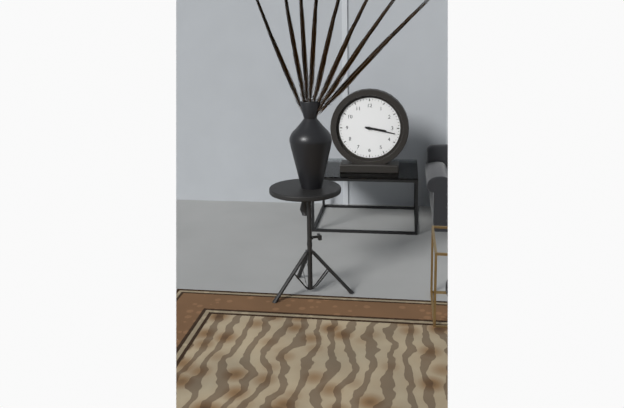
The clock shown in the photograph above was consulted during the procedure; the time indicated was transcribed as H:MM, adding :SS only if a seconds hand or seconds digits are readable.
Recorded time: 3:17
